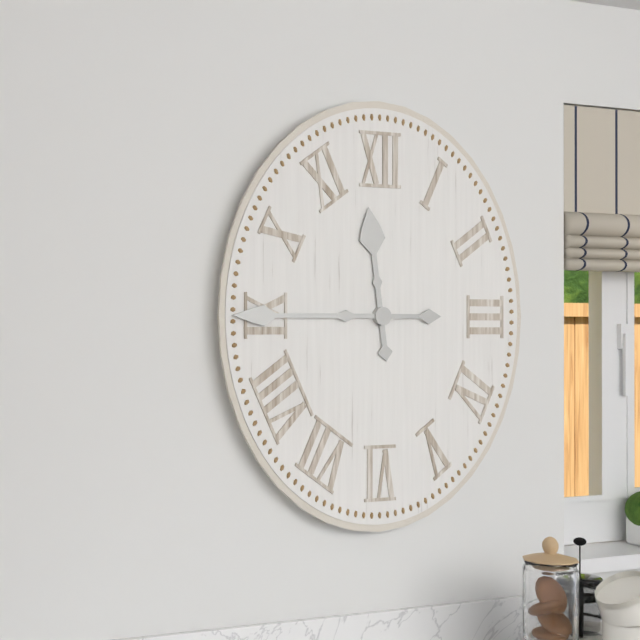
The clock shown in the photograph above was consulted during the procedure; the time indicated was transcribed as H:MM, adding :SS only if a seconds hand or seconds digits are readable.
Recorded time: 11:45
